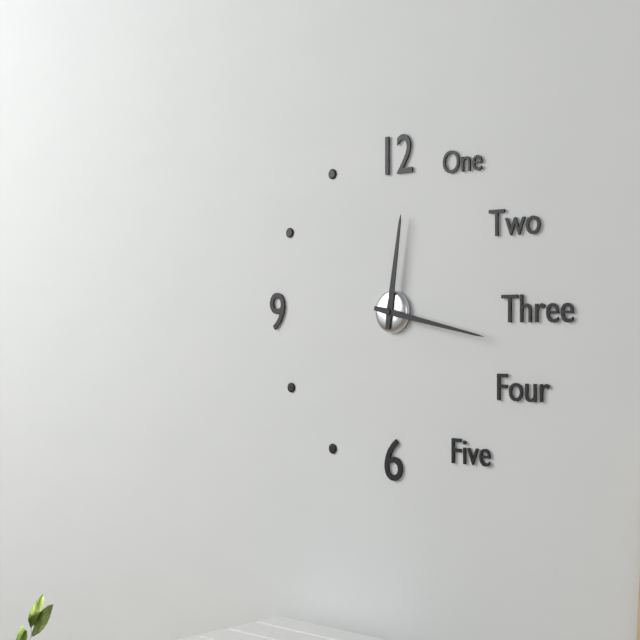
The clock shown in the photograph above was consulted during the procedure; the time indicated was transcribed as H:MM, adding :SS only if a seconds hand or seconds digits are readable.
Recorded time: 12:17
